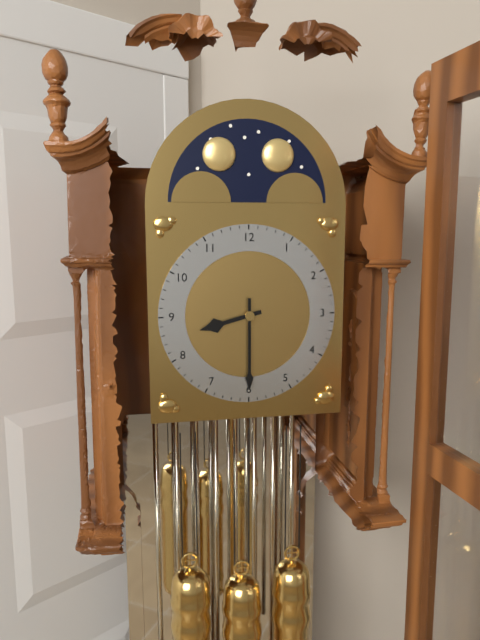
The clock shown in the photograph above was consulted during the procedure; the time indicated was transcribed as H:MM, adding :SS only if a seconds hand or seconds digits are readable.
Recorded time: 8:30
